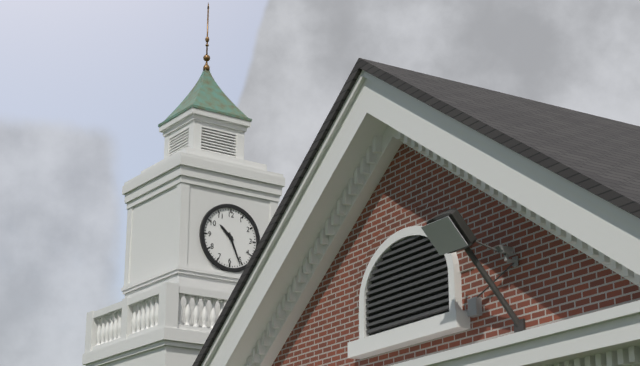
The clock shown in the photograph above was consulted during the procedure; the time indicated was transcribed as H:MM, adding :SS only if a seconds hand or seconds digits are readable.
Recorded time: 10:26
